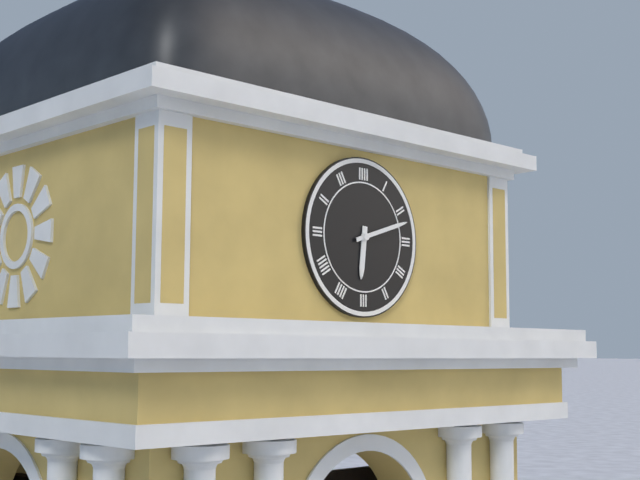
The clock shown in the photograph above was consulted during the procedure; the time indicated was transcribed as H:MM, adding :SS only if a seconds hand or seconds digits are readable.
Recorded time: 6:12
